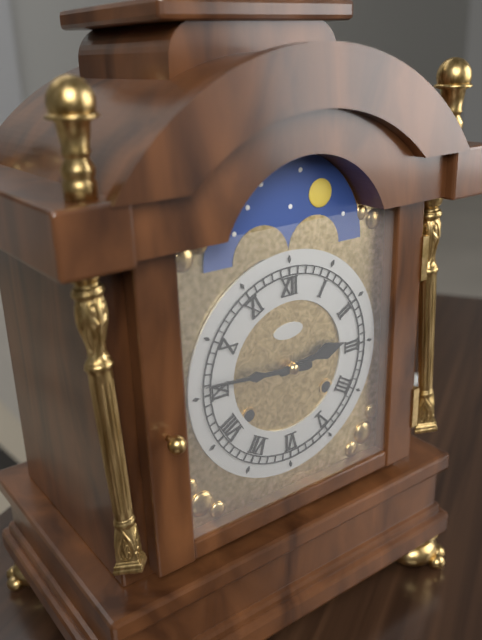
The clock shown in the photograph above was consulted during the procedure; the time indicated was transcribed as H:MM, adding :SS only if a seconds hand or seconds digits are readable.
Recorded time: 2:46
